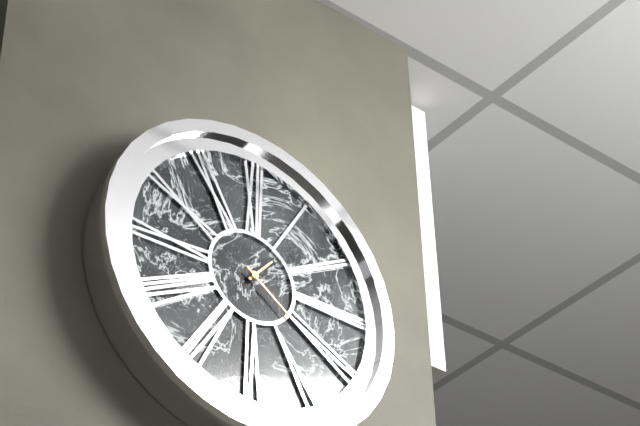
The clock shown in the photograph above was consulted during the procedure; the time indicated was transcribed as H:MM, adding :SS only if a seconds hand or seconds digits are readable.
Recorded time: 1:21
